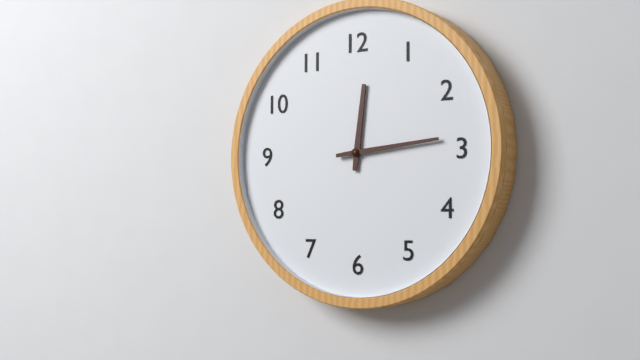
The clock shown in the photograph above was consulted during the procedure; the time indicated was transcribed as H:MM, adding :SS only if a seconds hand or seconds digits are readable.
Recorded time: 12:14
